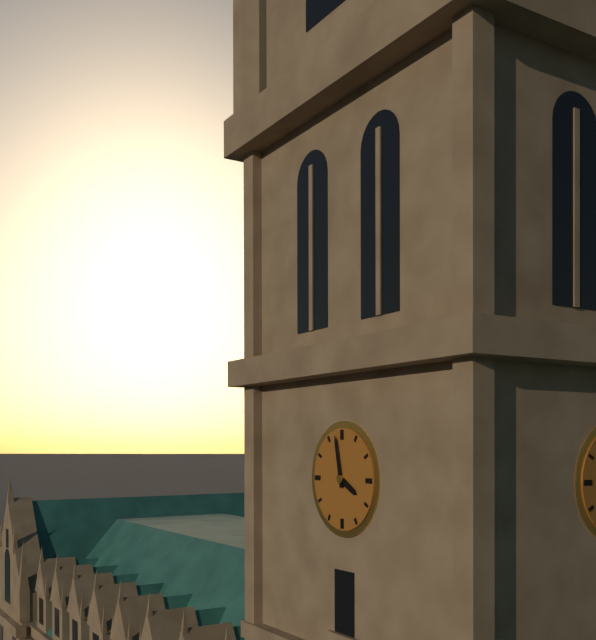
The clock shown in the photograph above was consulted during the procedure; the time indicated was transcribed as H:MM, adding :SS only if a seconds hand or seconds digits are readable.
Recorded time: 3:58
